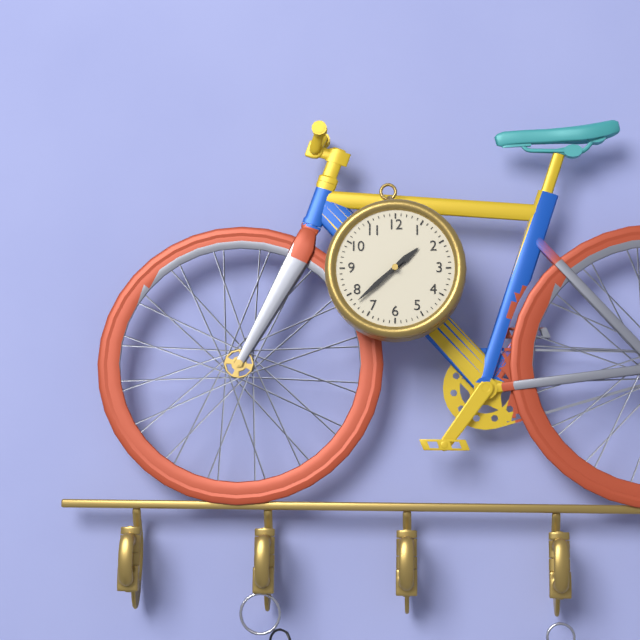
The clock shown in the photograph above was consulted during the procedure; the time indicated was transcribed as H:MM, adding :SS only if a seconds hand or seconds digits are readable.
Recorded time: 1:38
